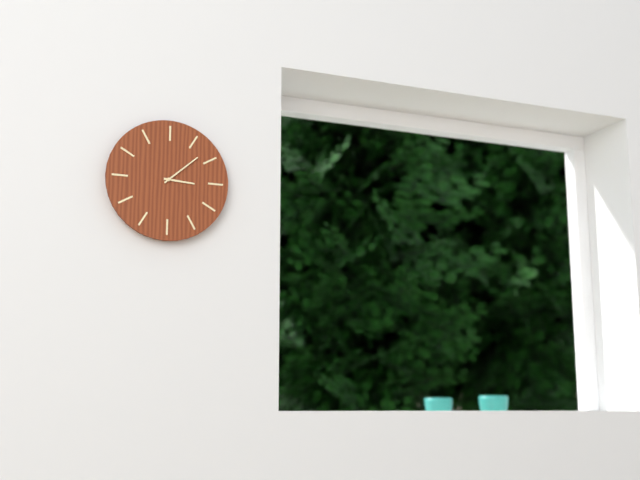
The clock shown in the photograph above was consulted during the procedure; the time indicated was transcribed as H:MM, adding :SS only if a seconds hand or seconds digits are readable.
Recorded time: 3:08
